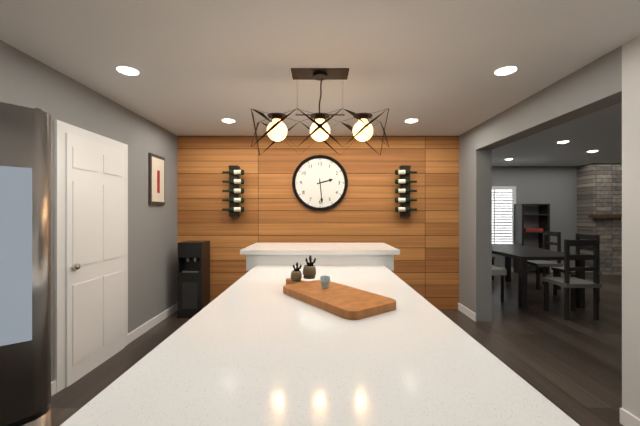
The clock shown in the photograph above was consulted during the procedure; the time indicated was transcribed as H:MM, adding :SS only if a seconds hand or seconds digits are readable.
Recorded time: 2:29
